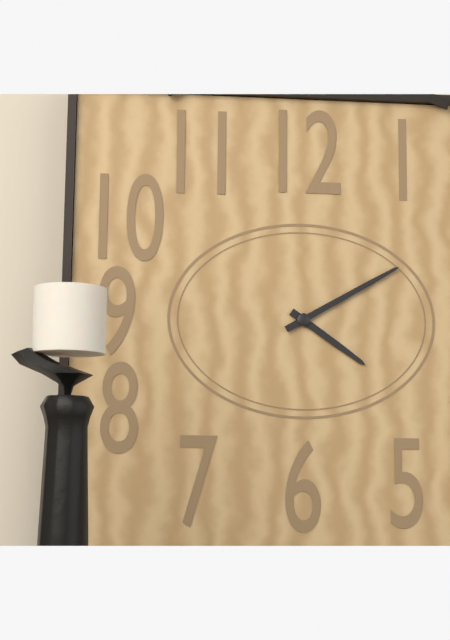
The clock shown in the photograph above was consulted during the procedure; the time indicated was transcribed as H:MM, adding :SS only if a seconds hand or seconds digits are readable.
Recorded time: 4:10
